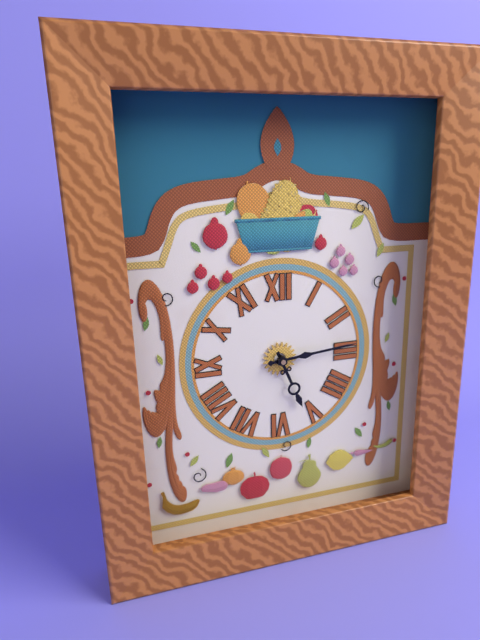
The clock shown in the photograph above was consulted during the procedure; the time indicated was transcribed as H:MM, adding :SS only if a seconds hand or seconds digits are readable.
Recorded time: 5:14
